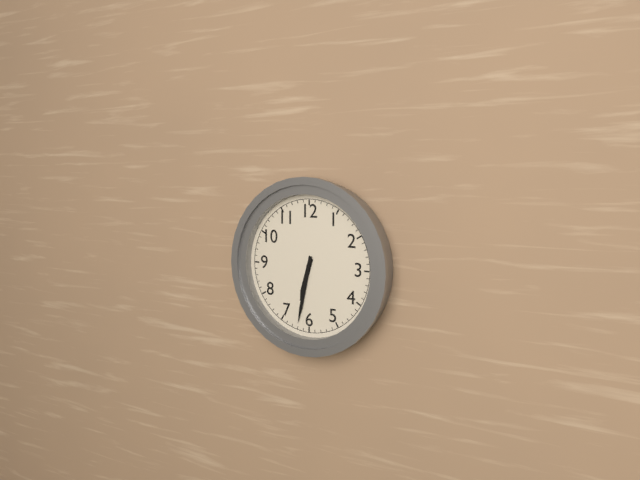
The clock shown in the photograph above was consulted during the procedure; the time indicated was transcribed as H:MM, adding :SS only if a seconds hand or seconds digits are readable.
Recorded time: 6:32
